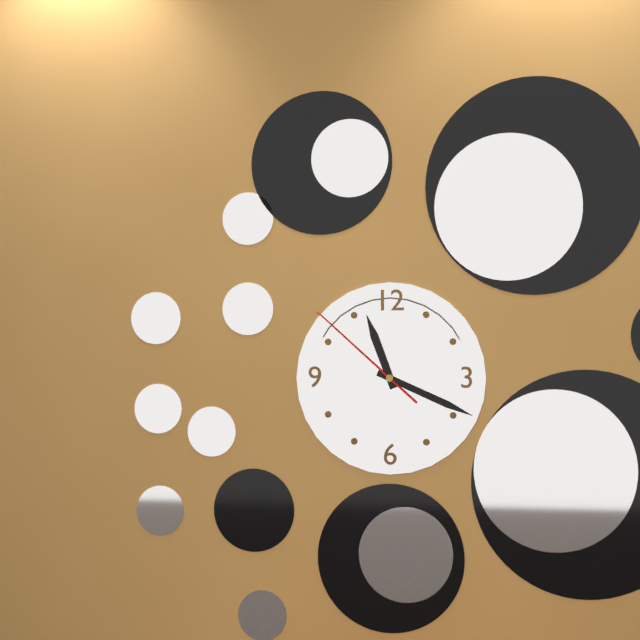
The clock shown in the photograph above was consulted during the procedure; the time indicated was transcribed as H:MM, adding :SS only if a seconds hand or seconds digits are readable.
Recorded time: 11:19:52
